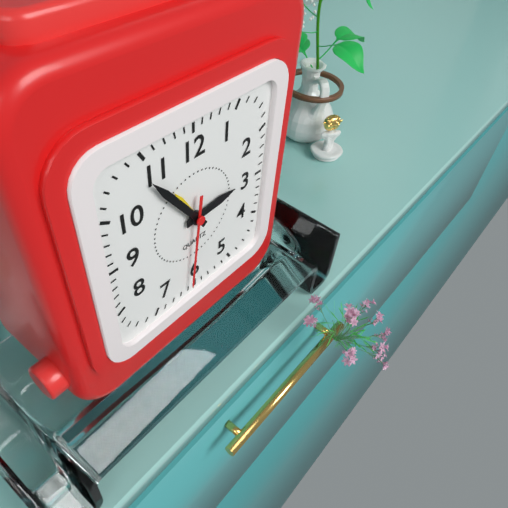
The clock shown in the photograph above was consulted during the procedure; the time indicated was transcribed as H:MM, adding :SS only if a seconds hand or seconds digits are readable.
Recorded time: 2:54:31
